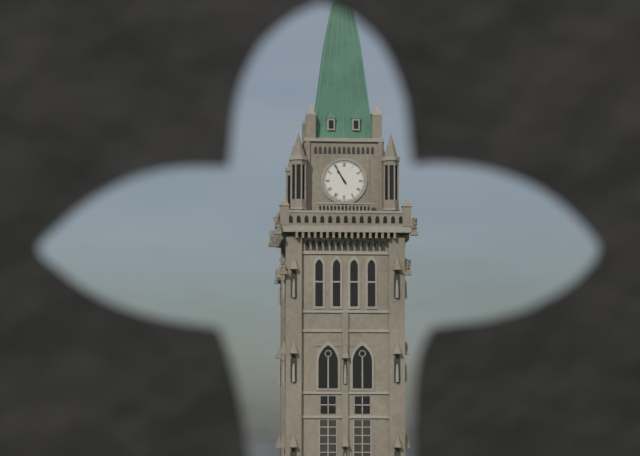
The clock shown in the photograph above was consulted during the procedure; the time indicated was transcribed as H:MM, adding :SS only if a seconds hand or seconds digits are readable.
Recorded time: 10:55
